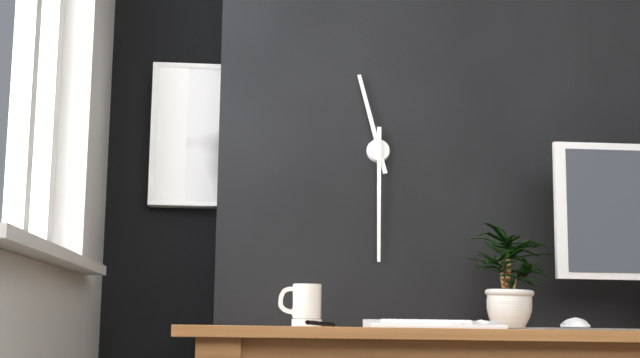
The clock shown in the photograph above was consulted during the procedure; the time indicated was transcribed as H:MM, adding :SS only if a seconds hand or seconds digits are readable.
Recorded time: 11:30
